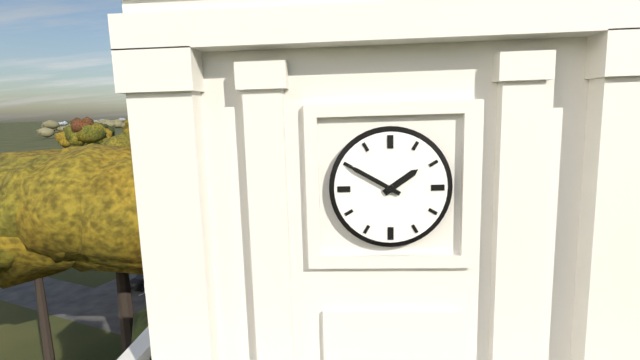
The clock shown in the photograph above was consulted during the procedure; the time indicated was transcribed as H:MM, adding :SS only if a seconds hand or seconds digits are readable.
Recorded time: 1:50
